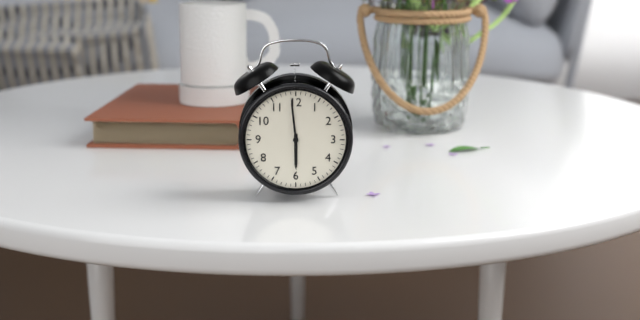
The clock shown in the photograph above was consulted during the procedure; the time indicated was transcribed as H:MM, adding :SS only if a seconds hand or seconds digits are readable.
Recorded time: 5:59
